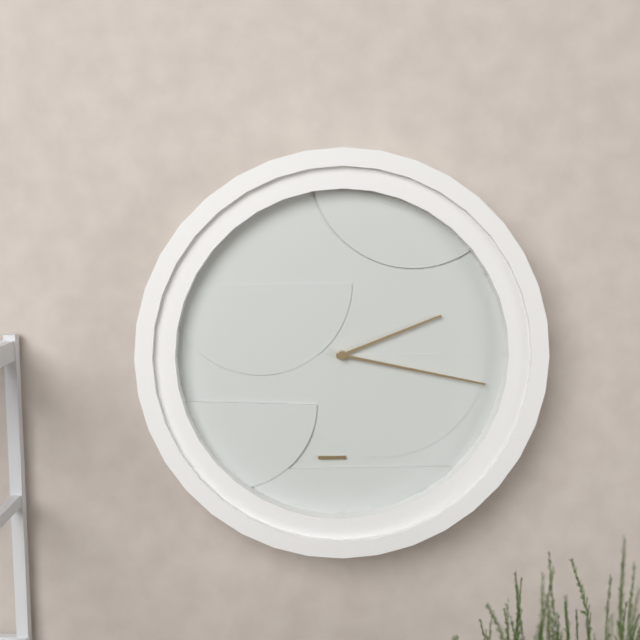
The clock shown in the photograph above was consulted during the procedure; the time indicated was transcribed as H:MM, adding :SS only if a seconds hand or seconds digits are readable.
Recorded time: 2:17
